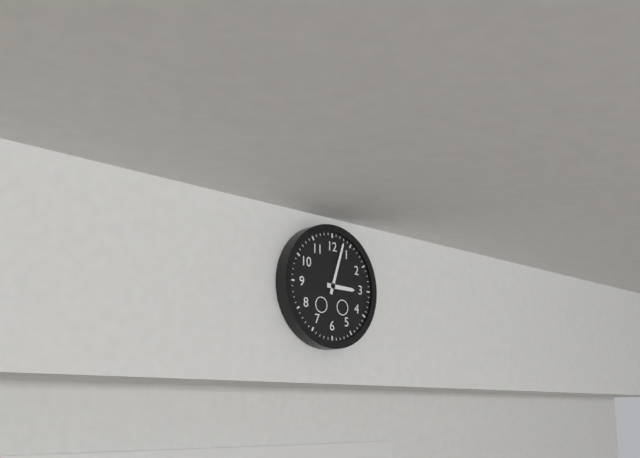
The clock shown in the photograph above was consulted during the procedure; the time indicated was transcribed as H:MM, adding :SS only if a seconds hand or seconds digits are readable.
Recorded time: 3:03
